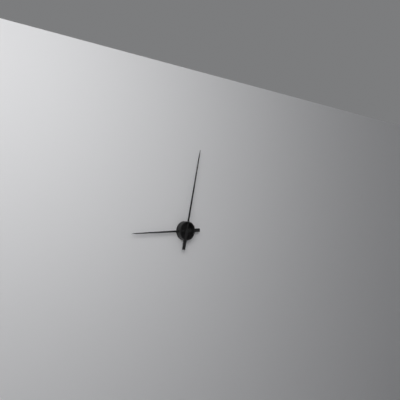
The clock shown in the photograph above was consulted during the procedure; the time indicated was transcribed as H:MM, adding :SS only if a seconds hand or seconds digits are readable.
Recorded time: 9:02
